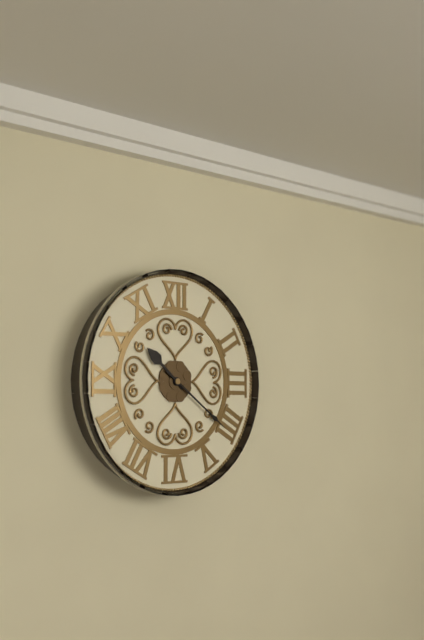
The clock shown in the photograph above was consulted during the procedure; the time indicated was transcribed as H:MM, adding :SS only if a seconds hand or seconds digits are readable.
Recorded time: 10:21
